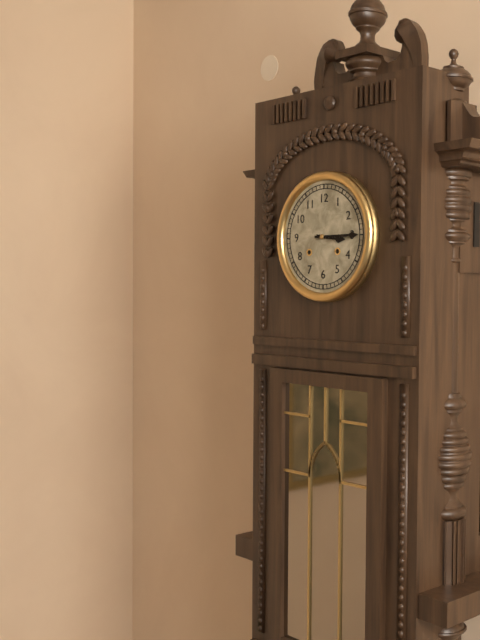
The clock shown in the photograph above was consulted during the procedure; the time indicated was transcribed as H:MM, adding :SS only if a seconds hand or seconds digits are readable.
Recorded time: 3:15
